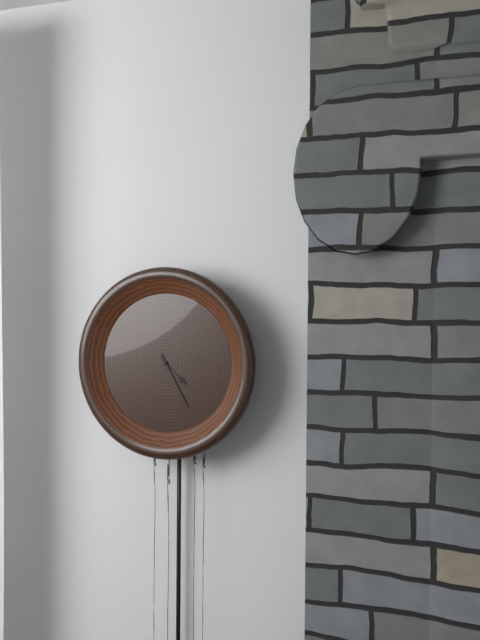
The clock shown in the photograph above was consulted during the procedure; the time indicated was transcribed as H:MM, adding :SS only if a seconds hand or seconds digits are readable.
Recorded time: 4:25
